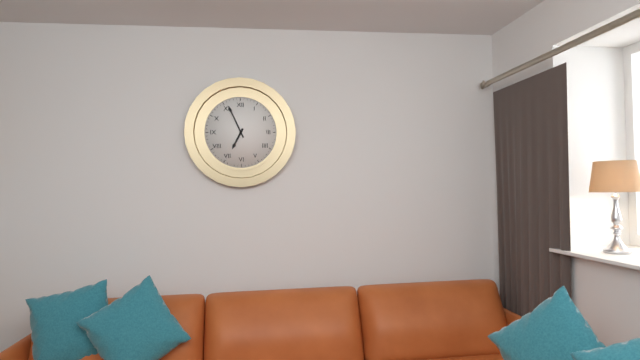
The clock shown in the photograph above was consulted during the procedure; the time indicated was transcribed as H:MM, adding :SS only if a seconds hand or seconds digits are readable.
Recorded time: 6:56
